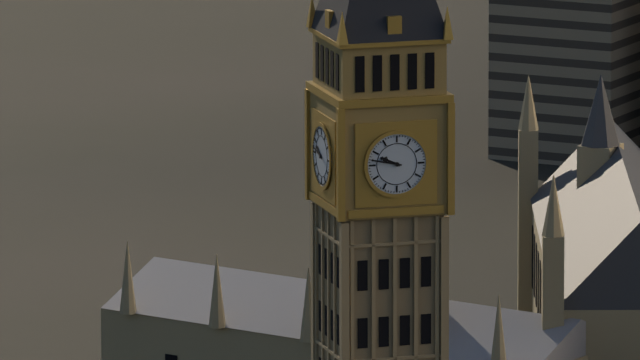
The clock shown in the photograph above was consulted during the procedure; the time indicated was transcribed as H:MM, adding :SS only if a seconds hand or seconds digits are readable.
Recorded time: 9:47
